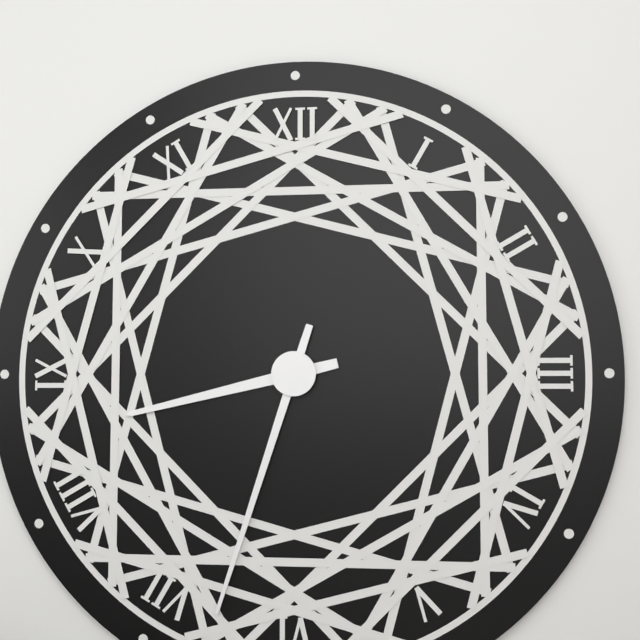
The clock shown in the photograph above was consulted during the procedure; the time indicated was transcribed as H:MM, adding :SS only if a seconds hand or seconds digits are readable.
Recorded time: 8:33
